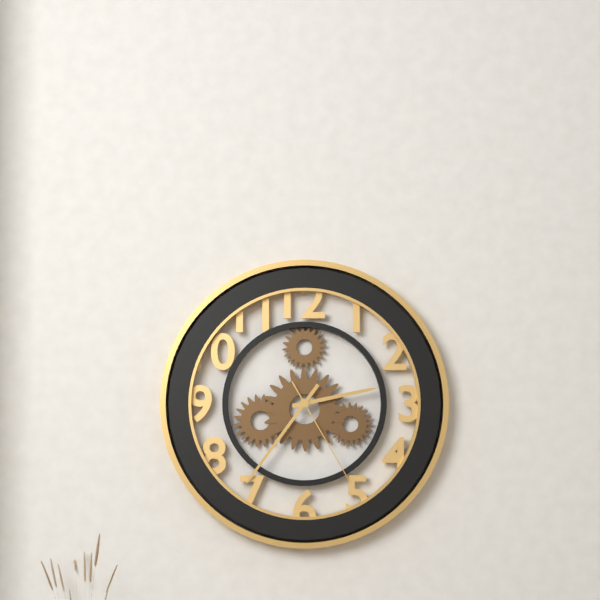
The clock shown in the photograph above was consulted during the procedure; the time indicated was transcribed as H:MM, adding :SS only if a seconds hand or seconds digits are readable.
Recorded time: 2:36:25
